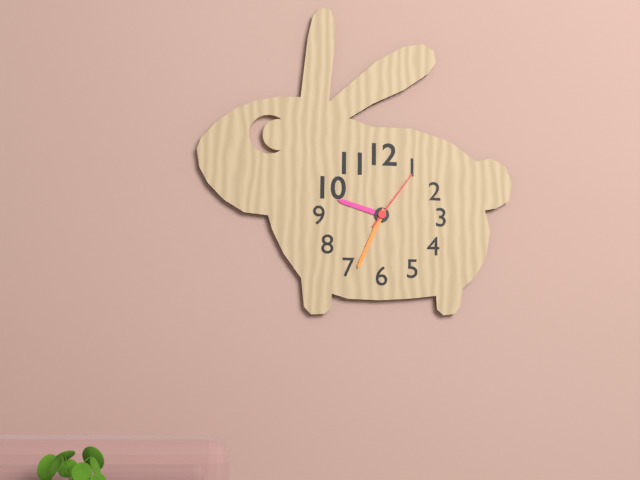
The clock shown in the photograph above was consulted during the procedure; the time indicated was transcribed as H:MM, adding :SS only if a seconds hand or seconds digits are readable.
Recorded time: 9:34:06
